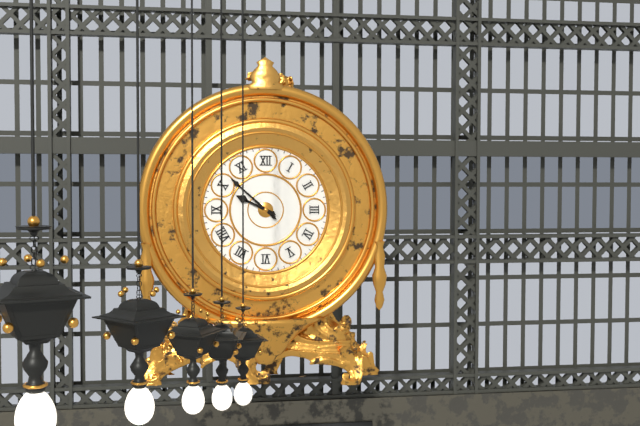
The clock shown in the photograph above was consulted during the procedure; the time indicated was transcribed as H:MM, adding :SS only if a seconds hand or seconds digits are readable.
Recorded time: 9:52
